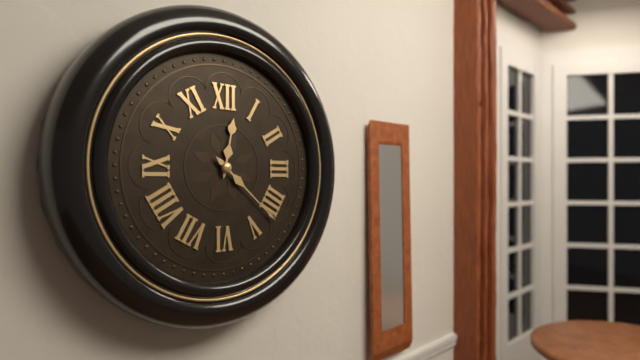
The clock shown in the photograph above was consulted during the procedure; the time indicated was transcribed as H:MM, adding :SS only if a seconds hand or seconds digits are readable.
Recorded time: 12:22
